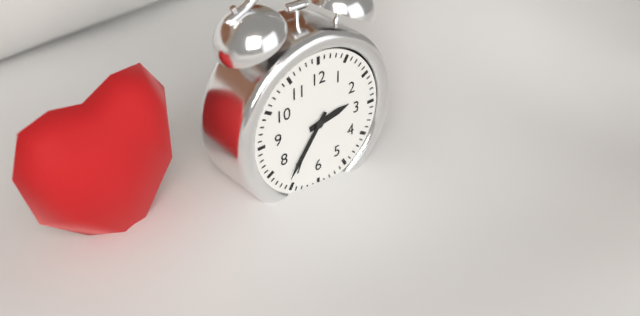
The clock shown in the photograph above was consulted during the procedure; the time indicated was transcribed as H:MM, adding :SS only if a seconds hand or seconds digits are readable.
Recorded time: 2:36
